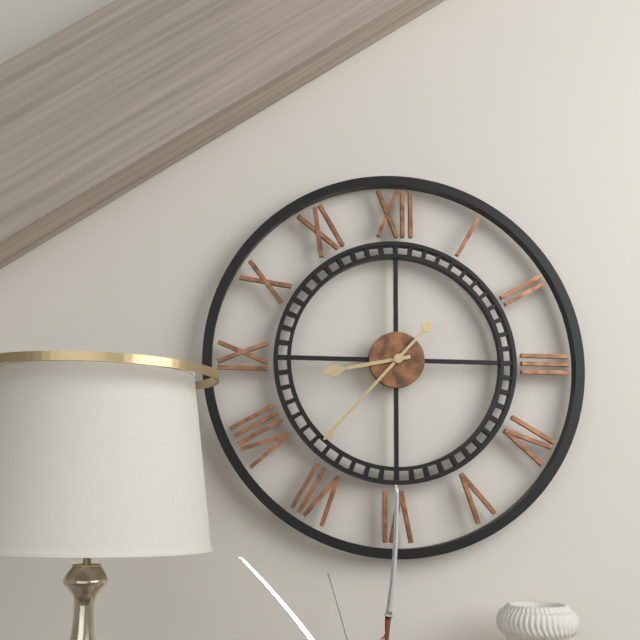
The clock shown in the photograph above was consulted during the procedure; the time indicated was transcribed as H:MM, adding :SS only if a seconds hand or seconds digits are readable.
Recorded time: 8:37
